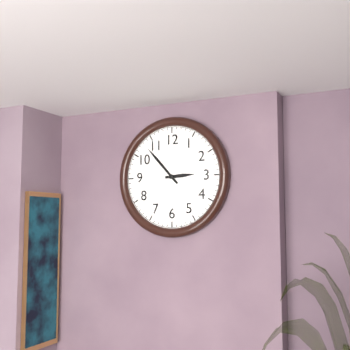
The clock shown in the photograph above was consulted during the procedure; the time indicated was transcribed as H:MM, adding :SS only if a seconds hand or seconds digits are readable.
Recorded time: 2:53
